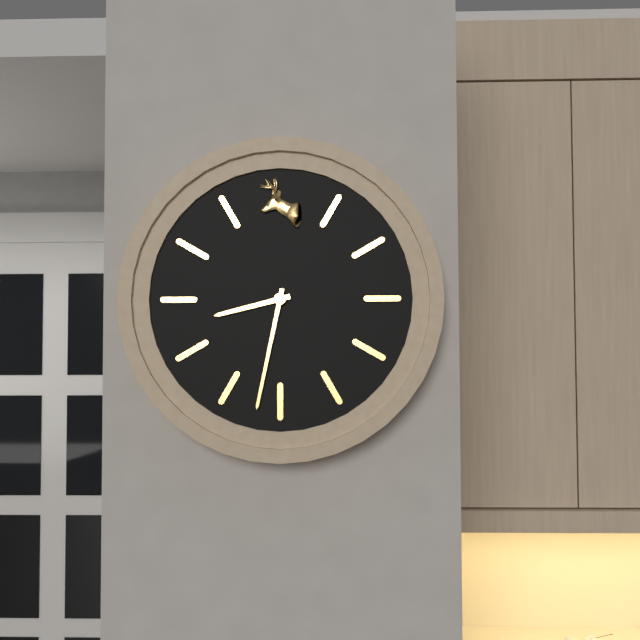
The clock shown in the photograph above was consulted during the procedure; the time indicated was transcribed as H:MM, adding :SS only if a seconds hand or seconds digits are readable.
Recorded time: 8:32
